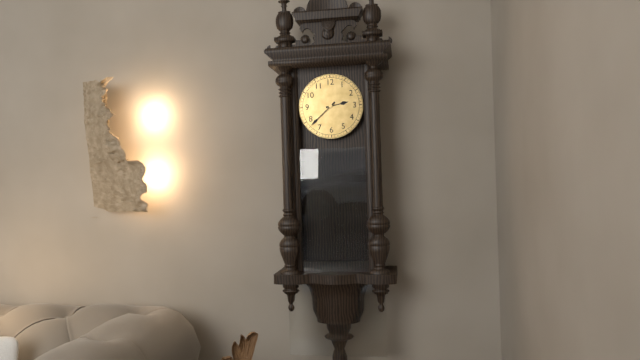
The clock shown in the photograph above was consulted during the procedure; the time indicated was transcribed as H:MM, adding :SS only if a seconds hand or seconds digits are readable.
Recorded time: 2:38
